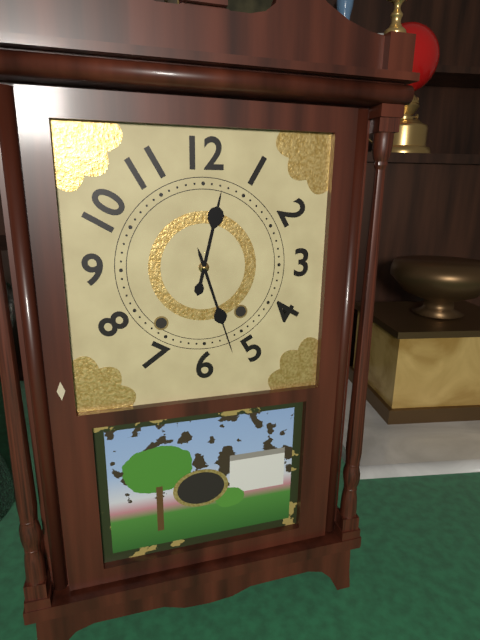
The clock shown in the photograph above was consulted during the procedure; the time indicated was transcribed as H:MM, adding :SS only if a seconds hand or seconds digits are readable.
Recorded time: 12:27
